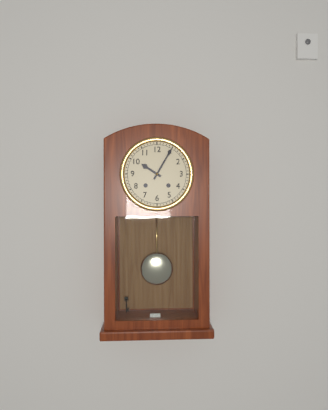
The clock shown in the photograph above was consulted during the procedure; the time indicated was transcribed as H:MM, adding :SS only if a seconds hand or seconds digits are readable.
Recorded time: 10:05
